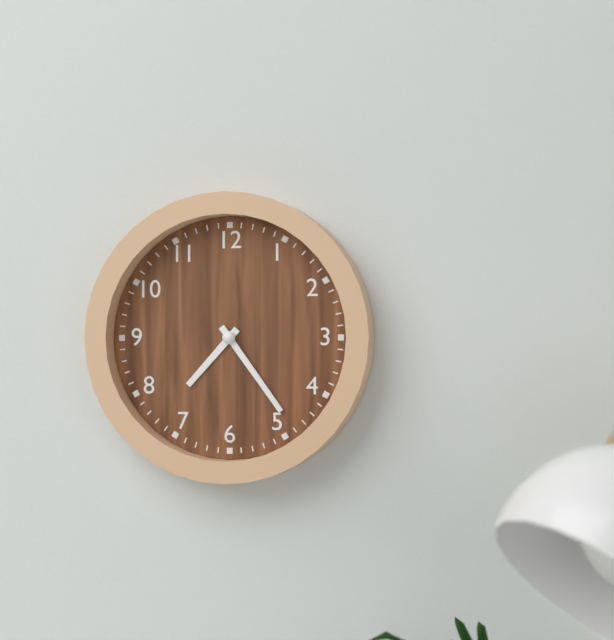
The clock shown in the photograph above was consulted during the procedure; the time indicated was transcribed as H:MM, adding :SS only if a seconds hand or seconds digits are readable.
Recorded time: 7:24
